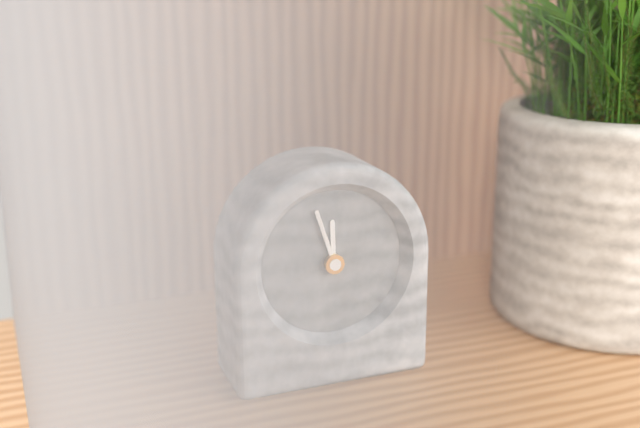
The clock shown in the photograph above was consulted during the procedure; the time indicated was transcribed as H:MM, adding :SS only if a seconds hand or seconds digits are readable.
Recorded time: 11:57
